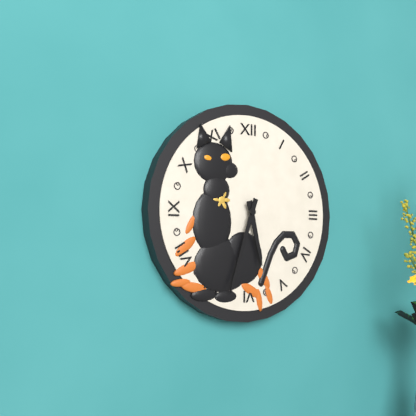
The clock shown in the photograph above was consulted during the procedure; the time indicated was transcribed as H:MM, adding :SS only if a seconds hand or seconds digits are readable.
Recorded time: 5:33
